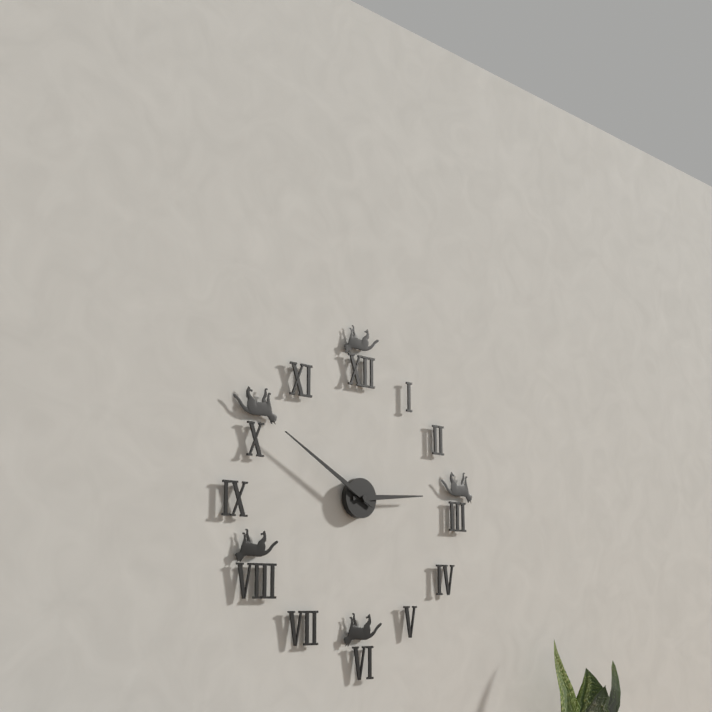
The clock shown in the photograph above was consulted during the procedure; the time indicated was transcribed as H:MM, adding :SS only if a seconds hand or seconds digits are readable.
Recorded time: 2:50
